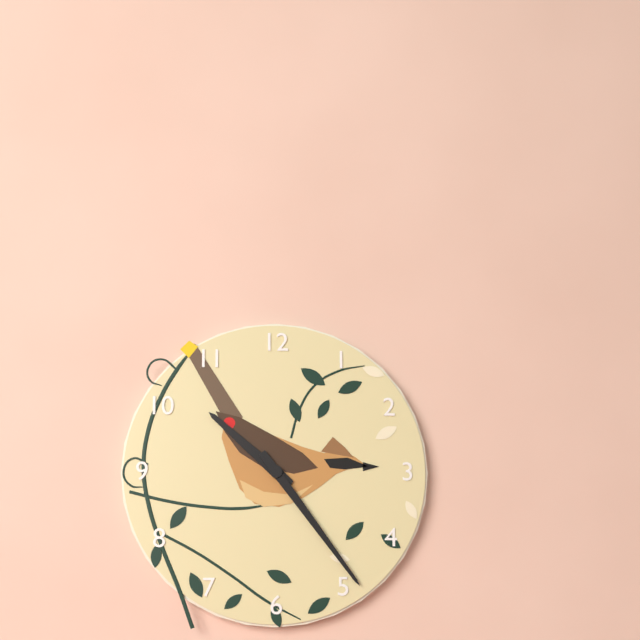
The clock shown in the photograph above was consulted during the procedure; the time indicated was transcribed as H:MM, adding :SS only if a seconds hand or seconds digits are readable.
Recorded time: 10:24
